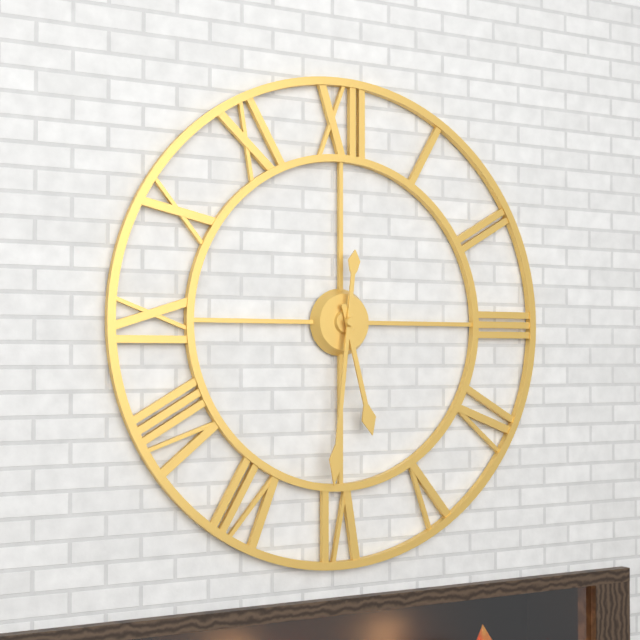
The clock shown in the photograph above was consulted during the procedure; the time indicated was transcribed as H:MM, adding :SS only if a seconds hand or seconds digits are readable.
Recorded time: 5:31
